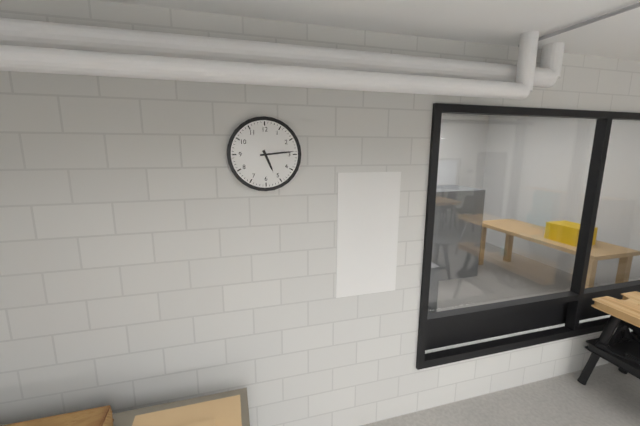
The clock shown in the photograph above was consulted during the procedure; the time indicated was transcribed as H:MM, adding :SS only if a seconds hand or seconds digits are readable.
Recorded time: 5:14
